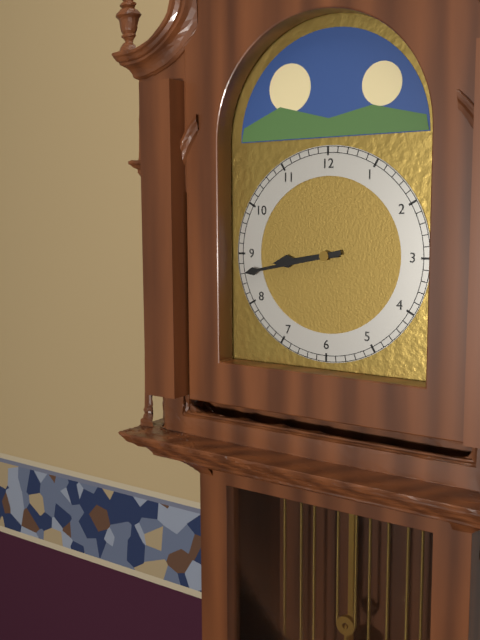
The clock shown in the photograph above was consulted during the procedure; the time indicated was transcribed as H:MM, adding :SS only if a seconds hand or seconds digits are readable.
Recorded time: 8:43
